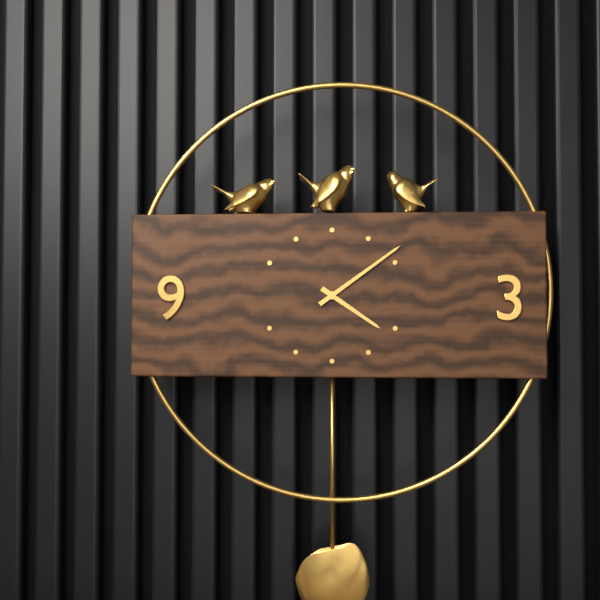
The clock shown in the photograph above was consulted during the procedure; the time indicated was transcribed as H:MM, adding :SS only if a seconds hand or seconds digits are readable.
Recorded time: 4:09
